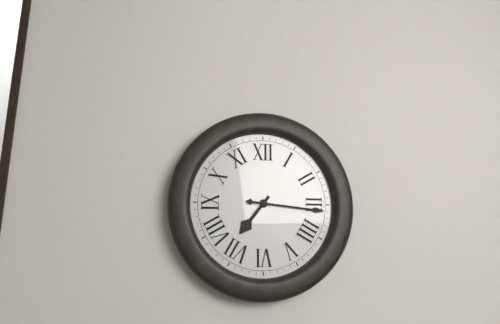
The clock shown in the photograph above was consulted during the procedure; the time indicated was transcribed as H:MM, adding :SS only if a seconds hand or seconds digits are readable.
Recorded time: 7:16
